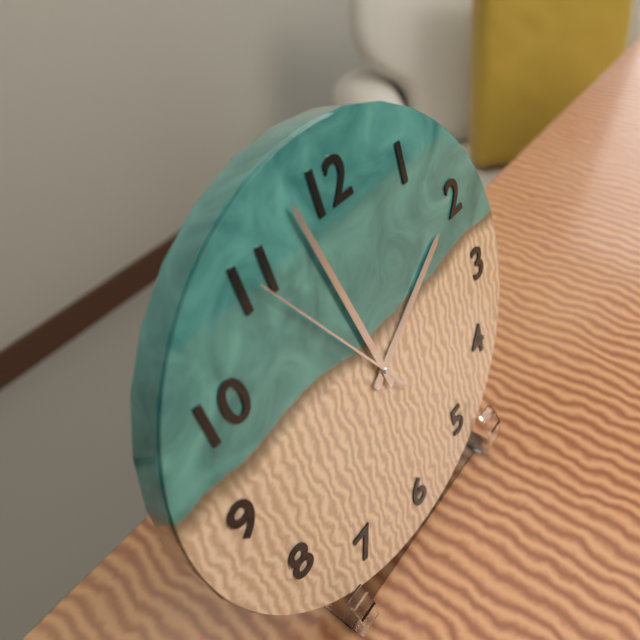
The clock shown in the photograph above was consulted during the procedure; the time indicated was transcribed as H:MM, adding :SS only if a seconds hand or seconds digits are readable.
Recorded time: 1:58:55
